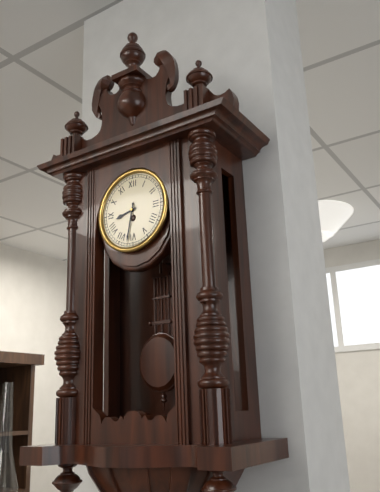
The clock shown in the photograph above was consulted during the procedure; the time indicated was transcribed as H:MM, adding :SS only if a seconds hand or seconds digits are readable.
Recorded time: 8:32
